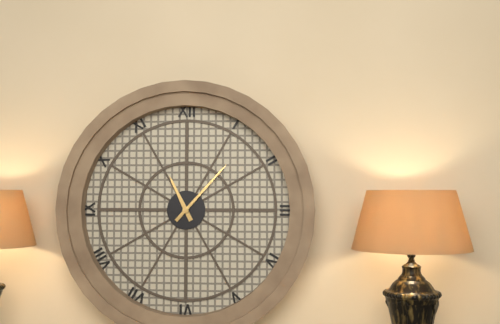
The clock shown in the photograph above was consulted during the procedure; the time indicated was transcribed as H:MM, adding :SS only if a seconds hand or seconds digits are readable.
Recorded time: 11:07
